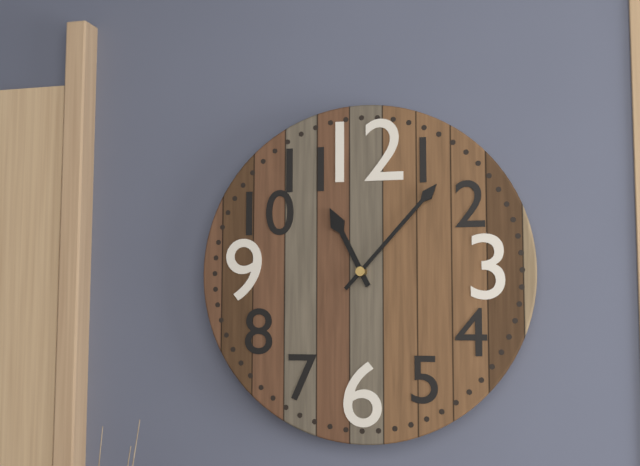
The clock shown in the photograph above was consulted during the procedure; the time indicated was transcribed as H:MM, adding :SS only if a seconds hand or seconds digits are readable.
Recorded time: 11:07
